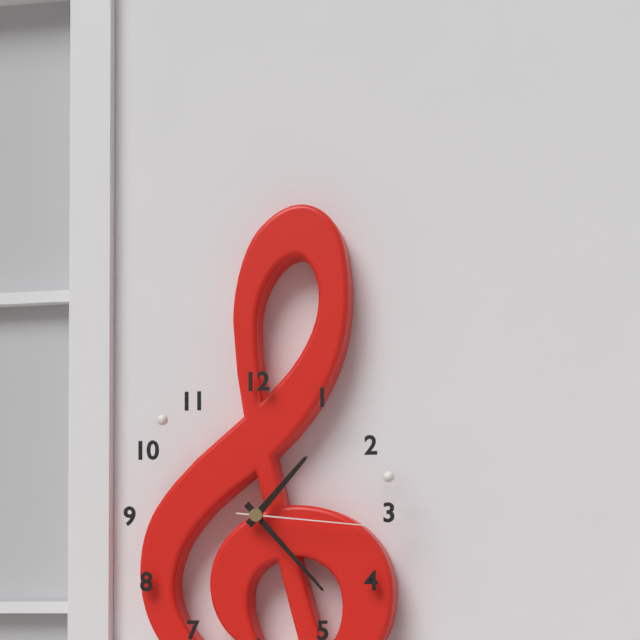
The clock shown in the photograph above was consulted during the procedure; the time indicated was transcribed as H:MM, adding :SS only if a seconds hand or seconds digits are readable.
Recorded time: 1:23:16
